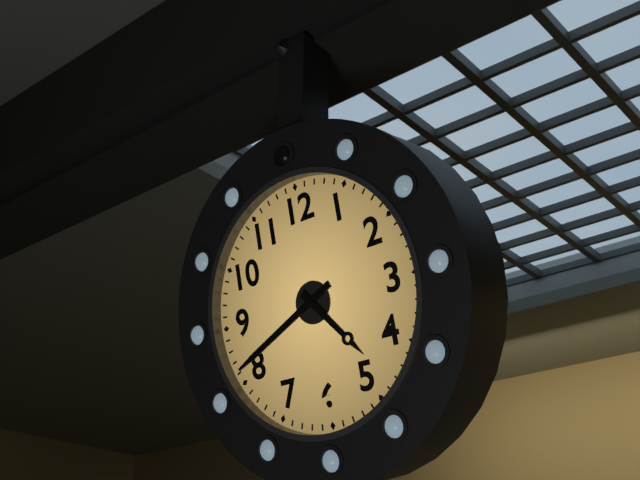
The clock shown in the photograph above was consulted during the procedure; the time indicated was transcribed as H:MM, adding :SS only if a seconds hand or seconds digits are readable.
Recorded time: 4:41
